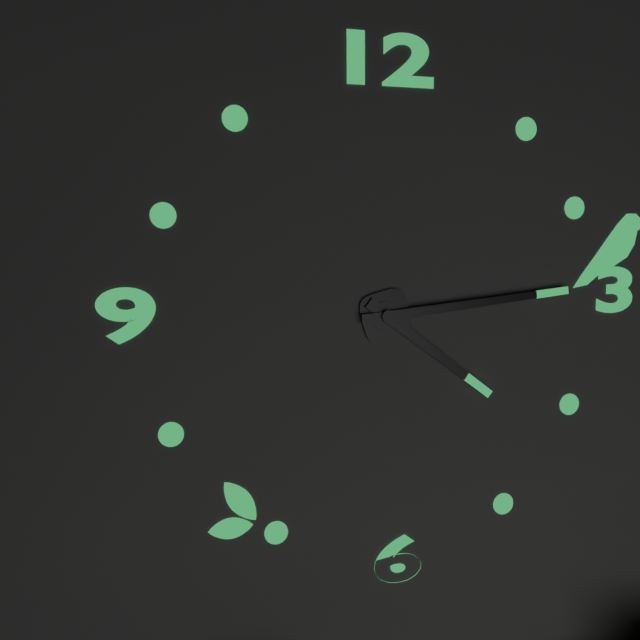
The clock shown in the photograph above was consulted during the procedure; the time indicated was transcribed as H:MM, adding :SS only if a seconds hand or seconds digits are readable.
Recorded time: 4:14
